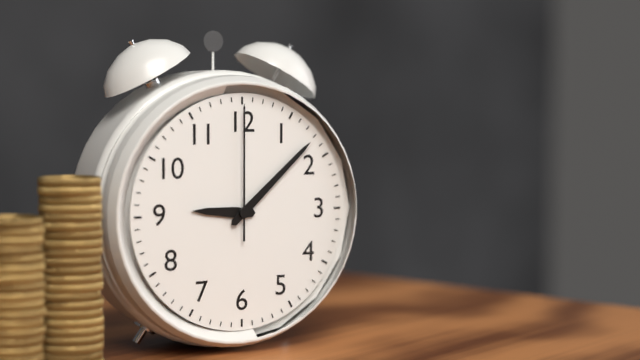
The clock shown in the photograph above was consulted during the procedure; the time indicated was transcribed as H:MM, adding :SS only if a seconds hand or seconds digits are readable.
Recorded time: 9:08:00
